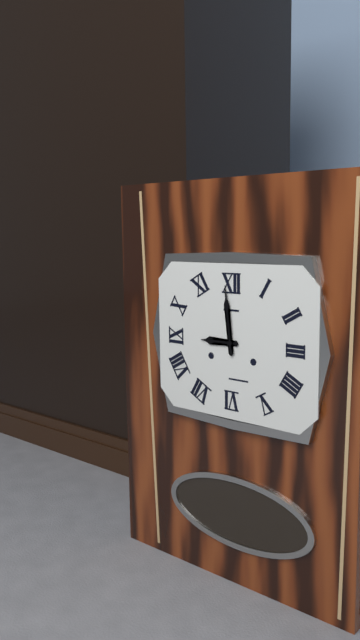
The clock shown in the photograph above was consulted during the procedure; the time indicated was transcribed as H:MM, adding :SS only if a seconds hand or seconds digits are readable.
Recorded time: 8:59
